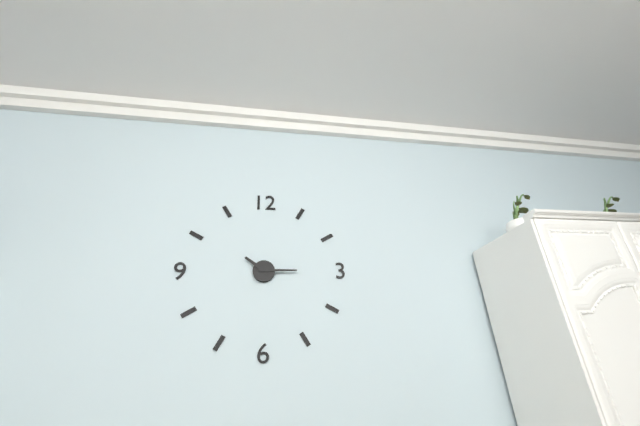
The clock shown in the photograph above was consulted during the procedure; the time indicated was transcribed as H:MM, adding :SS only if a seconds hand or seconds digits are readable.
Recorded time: 10:15
